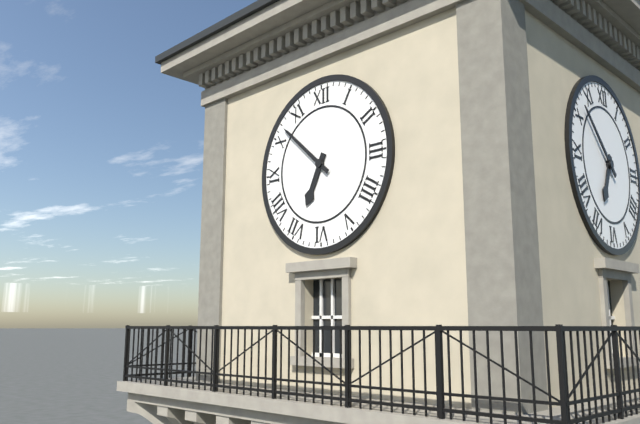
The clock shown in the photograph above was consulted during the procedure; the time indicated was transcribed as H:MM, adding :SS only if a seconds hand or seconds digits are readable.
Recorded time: 6:52
